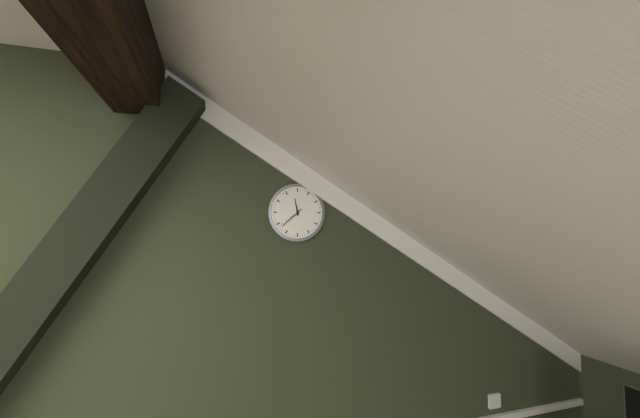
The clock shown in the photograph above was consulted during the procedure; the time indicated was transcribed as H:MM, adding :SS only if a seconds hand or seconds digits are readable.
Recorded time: 11:38
